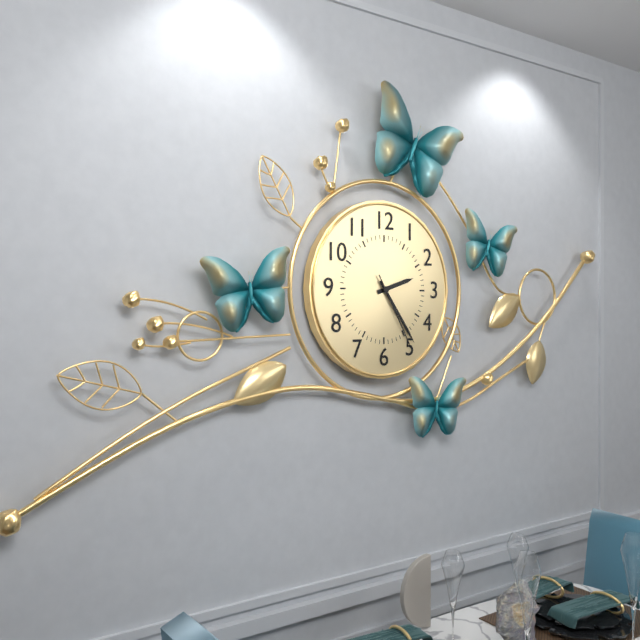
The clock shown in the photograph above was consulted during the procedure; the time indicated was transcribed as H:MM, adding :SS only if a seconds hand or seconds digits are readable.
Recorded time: 2:24:25
